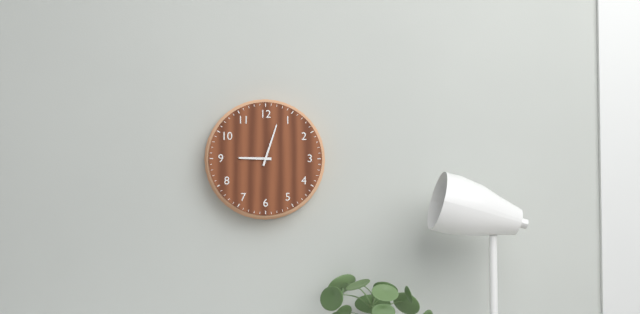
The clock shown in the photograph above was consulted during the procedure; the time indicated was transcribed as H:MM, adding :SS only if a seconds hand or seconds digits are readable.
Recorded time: 9:03
